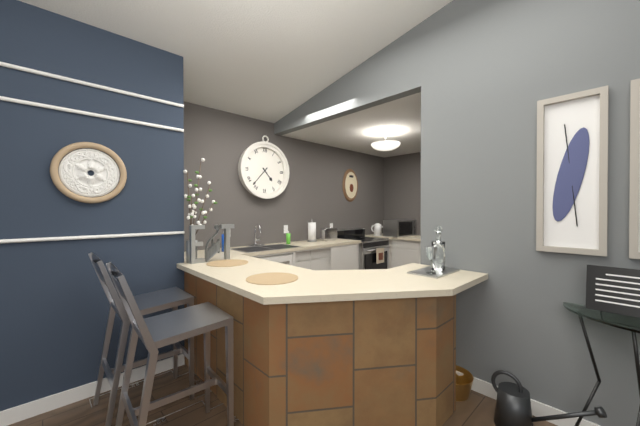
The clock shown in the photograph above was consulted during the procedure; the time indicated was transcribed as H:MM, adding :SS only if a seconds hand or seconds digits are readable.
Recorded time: 4:37
